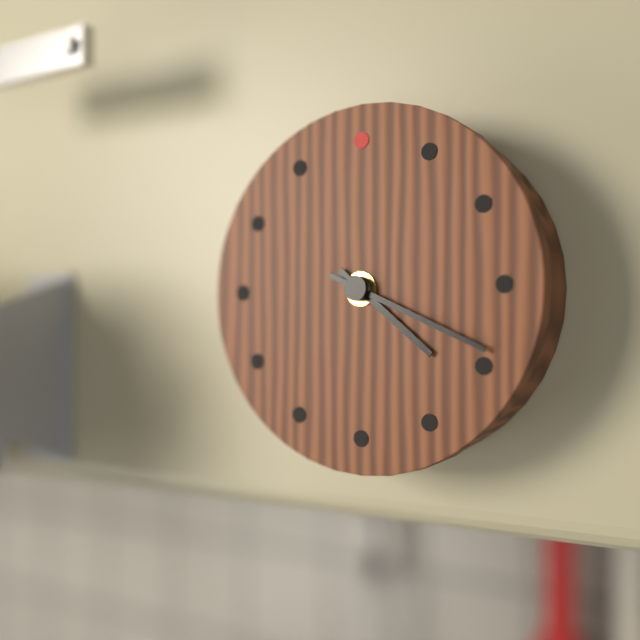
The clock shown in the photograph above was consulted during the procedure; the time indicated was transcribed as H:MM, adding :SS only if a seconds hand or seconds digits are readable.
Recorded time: 4:19
